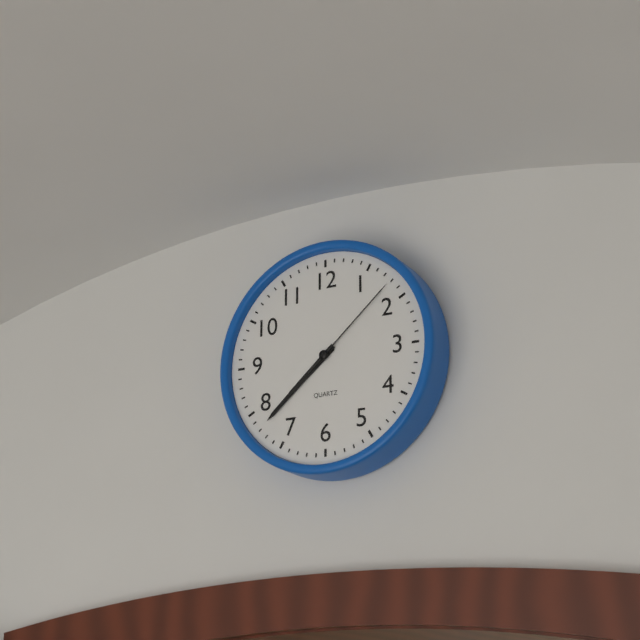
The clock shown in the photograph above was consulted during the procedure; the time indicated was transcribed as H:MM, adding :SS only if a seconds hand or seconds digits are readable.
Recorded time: 7:38:08
